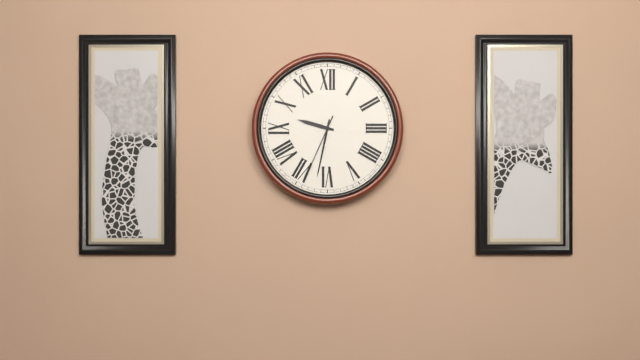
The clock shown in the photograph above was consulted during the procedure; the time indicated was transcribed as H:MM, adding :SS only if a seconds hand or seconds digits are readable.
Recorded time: 9:32:34
